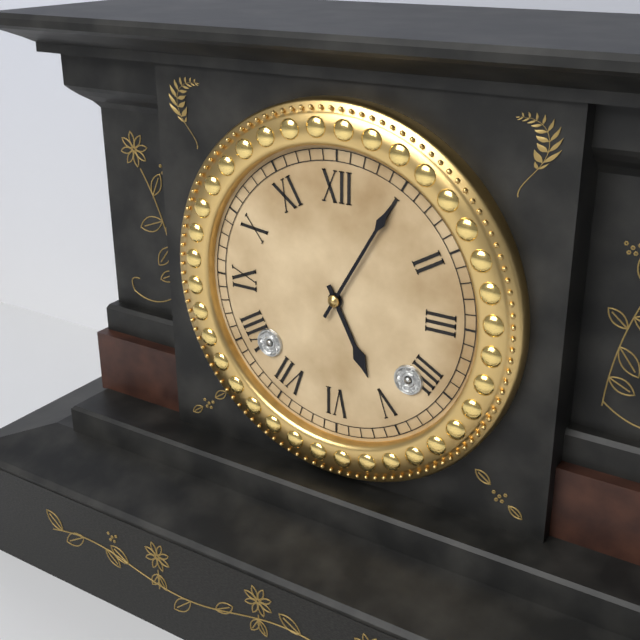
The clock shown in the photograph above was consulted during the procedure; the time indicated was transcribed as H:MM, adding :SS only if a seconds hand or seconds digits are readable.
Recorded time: 5:05
